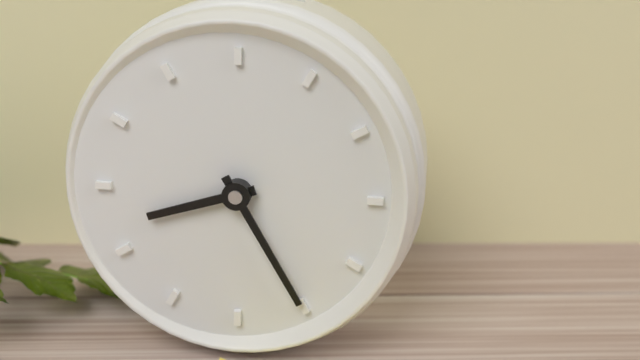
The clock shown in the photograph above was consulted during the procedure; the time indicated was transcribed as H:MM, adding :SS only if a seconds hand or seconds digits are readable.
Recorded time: 8:25
